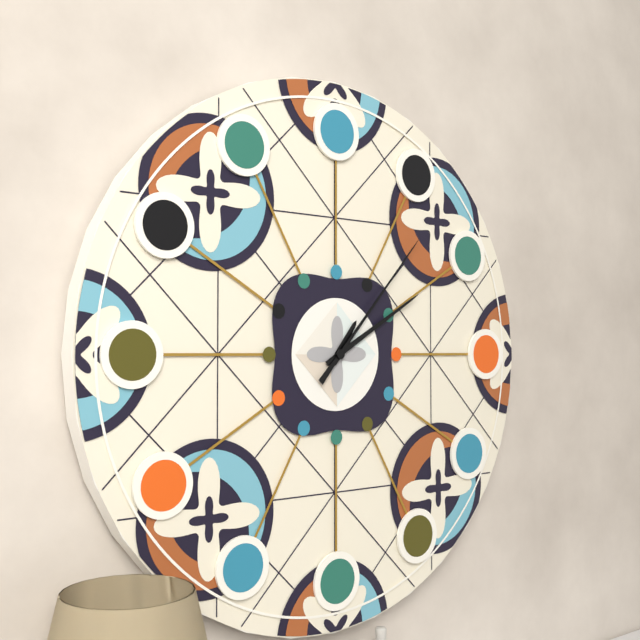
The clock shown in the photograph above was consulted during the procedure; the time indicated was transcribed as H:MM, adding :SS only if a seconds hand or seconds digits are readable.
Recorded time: 1:10:07
